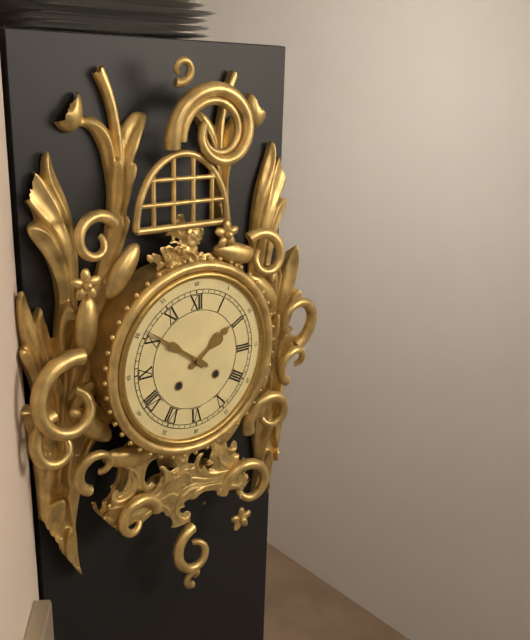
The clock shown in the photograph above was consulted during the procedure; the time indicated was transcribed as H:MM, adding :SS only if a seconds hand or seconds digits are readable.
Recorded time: 1:51
